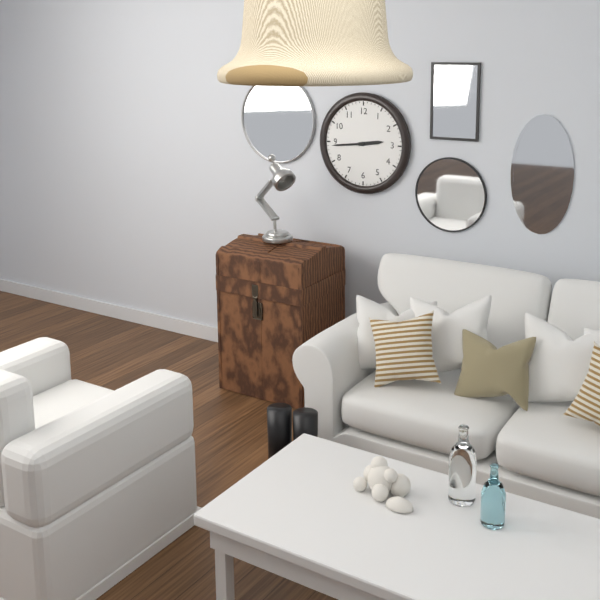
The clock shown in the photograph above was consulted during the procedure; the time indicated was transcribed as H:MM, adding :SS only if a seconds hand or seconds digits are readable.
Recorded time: 2:44
